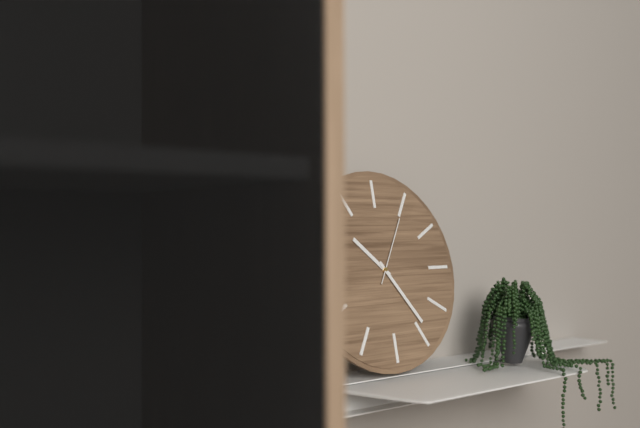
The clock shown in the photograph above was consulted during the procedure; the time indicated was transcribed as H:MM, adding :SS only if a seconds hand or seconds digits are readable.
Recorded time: 10:24:05
